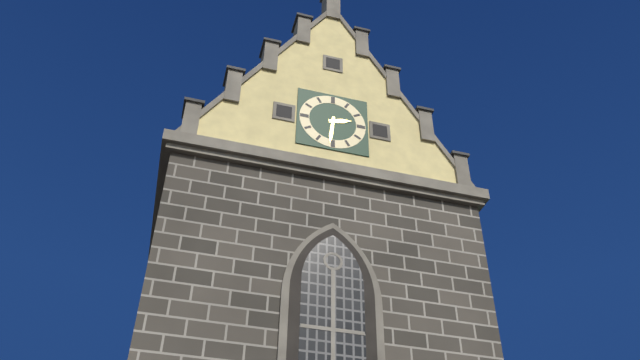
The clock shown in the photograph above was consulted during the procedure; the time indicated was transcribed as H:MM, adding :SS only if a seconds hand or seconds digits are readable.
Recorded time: 2:31
